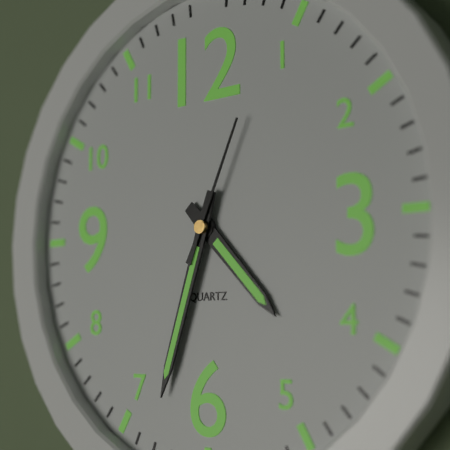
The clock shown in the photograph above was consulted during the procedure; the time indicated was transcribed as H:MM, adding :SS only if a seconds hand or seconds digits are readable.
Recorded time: 4:33:04
